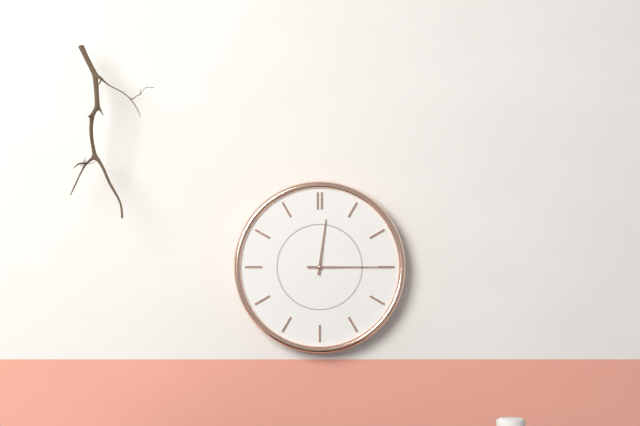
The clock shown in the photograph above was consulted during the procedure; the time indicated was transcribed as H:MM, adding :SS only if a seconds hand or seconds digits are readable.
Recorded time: 12:15
